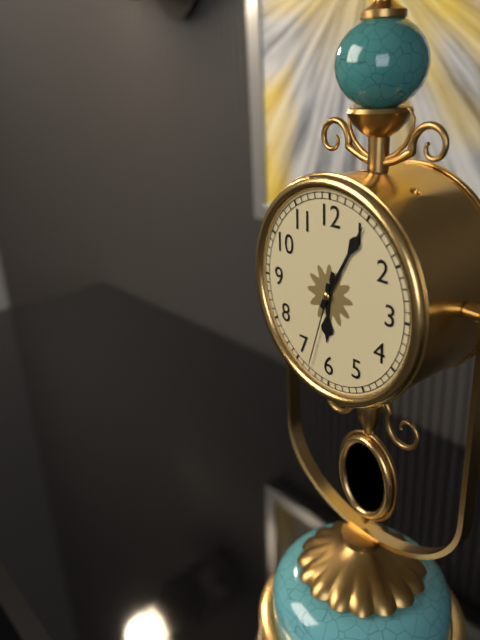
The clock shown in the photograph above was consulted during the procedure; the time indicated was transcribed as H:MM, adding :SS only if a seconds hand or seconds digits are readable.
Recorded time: 6:05:33
